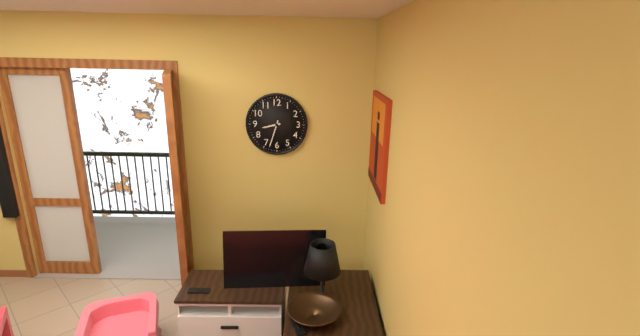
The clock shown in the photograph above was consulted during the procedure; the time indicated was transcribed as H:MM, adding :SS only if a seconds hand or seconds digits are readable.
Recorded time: 8:33
